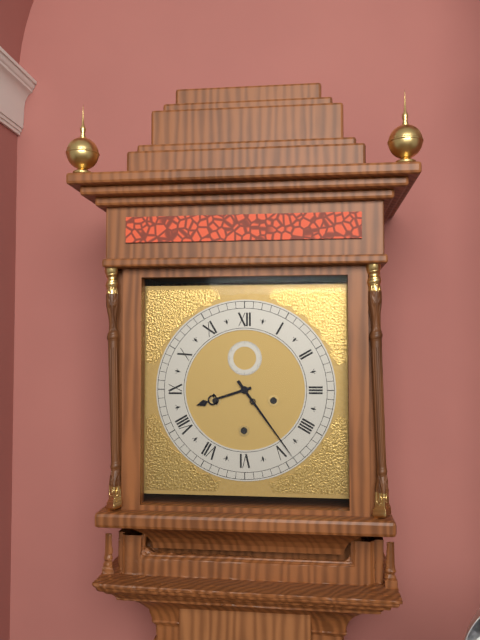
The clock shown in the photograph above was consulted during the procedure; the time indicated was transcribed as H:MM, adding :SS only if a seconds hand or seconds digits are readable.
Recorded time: 8:24
